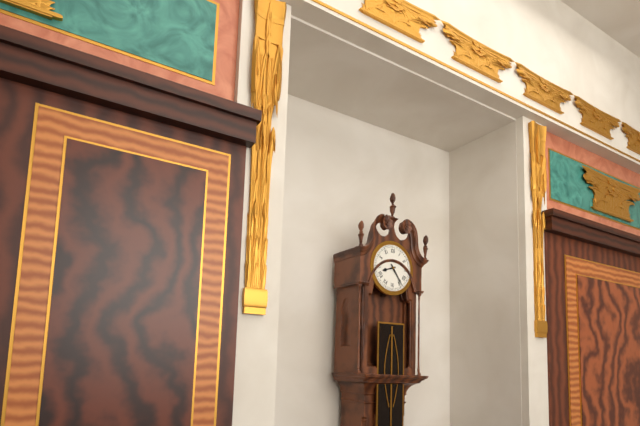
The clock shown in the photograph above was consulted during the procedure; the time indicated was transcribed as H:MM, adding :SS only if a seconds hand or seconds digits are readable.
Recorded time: 8:24
